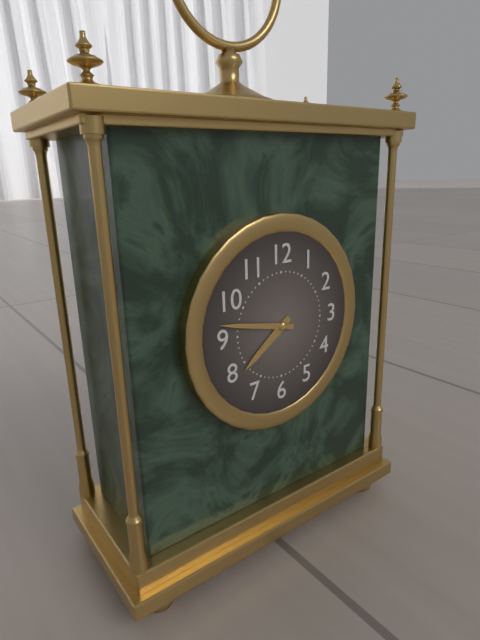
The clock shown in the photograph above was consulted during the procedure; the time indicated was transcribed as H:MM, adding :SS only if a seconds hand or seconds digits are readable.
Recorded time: 7:47
